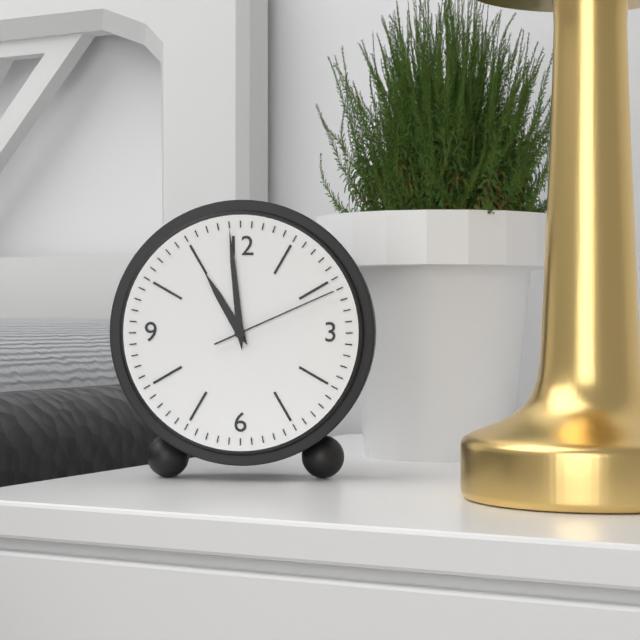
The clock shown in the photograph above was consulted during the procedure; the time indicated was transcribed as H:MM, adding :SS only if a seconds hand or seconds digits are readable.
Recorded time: 10:59:11
